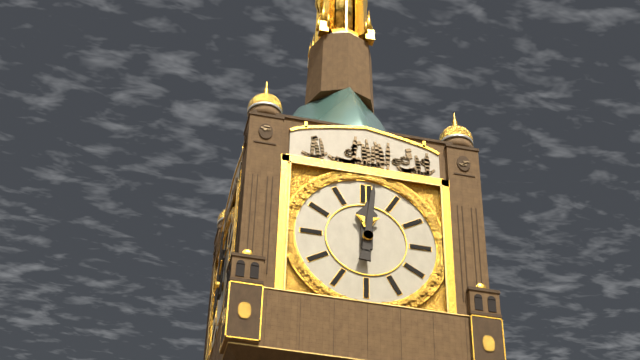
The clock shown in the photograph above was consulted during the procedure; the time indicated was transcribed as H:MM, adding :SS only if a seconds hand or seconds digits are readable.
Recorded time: 12:01
